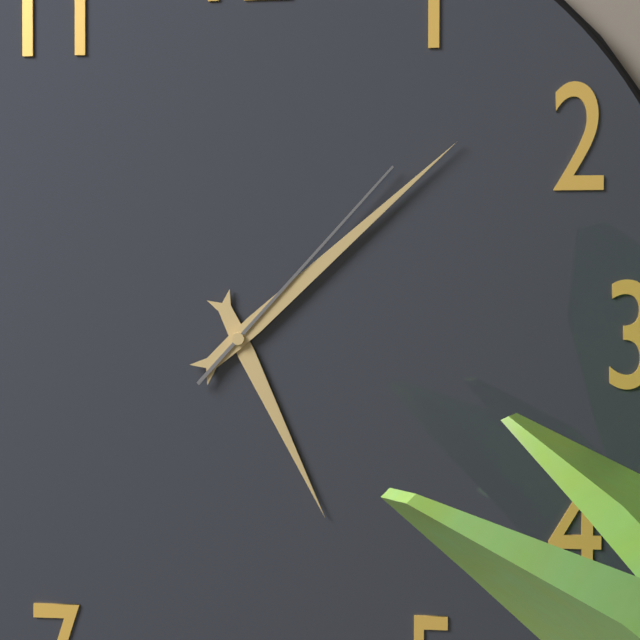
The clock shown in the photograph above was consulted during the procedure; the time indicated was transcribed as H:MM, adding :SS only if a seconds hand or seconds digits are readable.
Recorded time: 5:08:07
